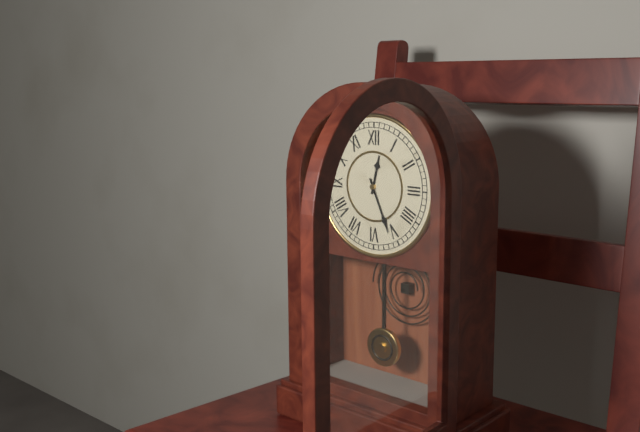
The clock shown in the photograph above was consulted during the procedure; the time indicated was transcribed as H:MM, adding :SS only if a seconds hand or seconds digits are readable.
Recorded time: 12:26
